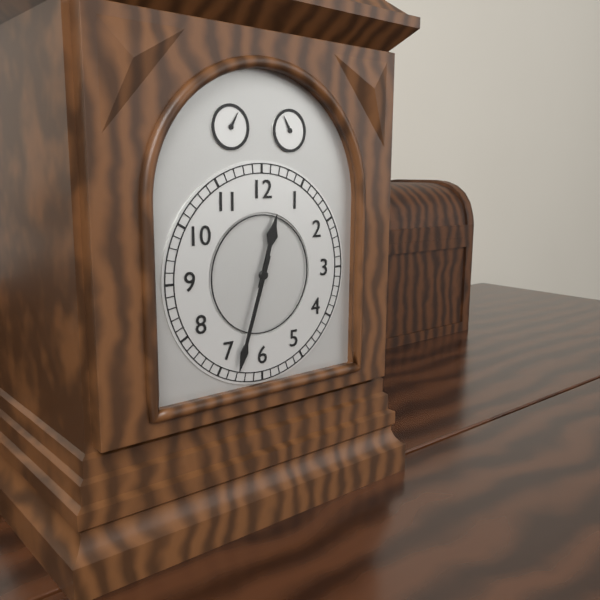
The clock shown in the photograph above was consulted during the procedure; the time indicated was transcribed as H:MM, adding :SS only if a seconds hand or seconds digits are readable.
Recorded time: 12:33
